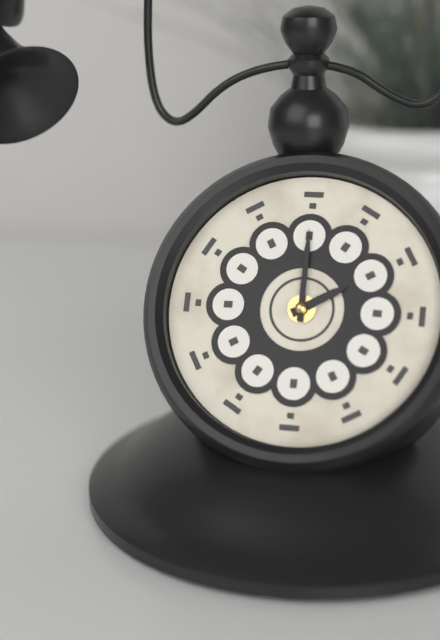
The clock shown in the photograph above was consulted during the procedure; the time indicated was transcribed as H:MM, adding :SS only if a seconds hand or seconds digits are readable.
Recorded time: 2:00
